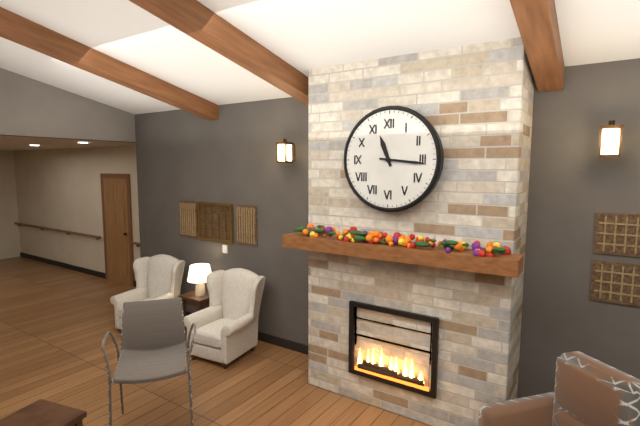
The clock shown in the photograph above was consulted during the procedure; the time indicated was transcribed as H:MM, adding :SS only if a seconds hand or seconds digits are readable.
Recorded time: 11:16
